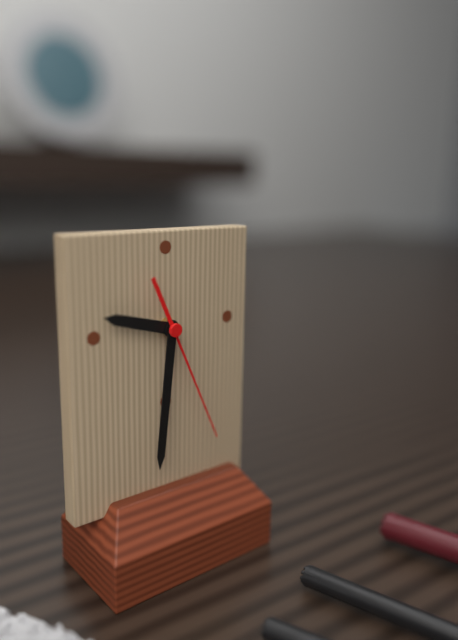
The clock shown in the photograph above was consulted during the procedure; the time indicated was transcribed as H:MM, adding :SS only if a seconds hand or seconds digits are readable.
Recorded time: 9:31:26
